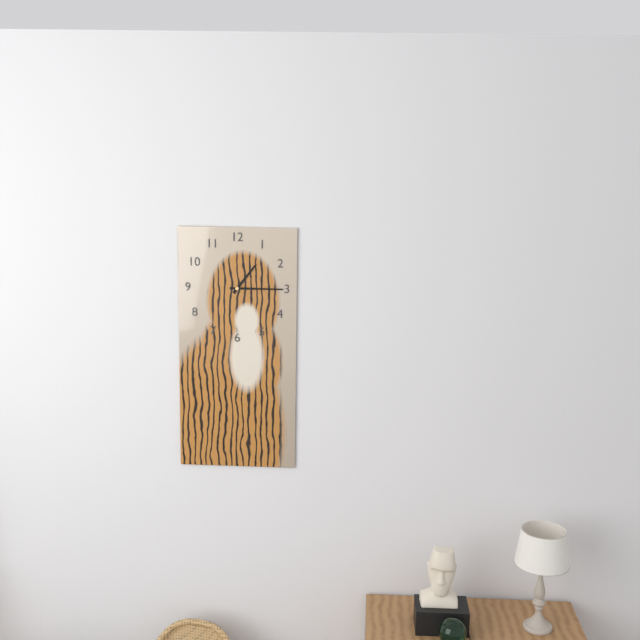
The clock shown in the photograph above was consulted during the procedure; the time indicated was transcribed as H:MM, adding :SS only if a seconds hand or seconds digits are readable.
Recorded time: 1:15
